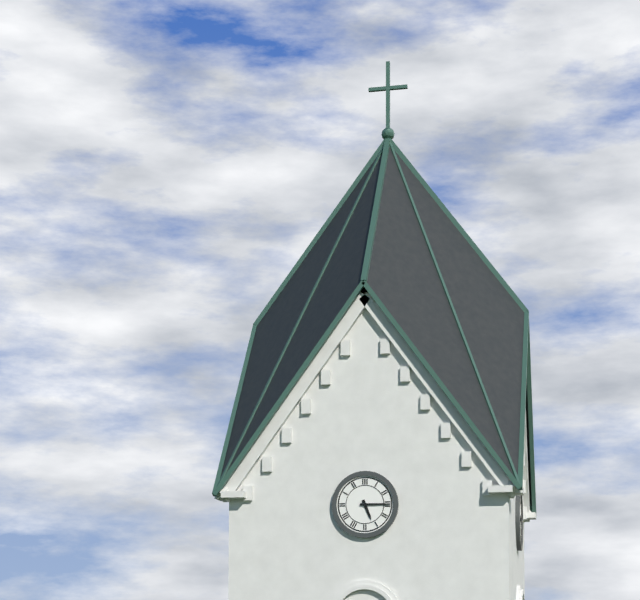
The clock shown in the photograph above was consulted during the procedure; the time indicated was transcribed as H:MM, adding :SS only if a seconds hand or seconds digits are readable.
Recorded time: 5:15
